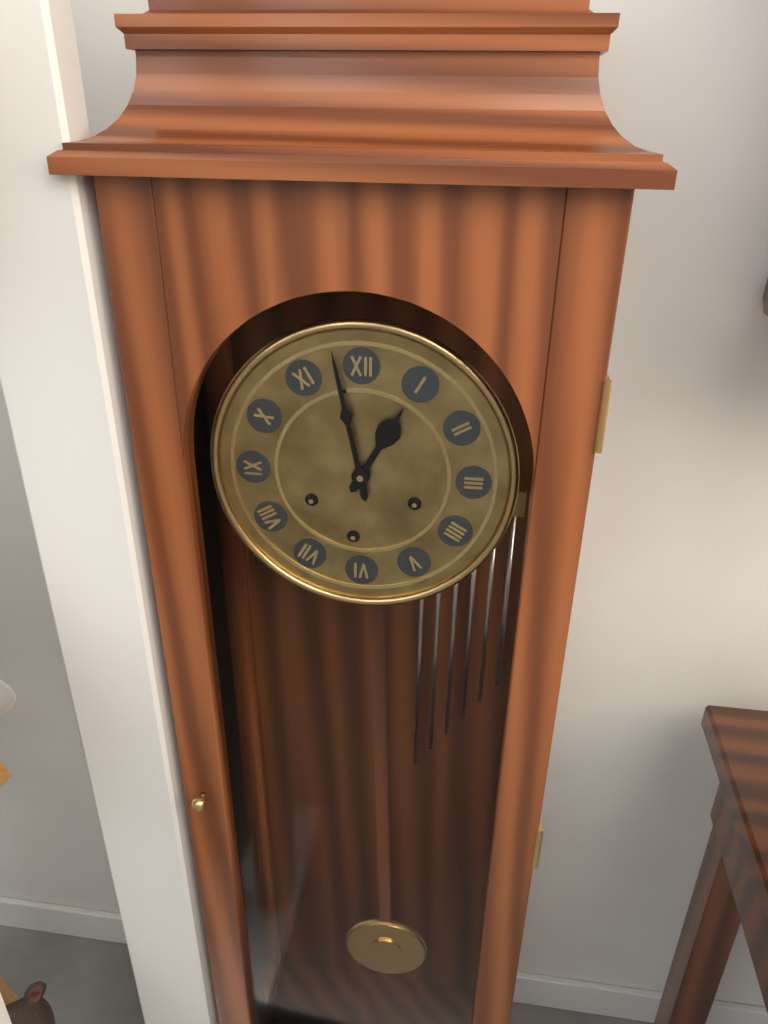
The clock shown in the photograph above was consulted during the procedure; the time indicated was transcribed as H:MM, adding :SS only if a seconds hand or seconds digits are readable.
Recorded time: 12:58
